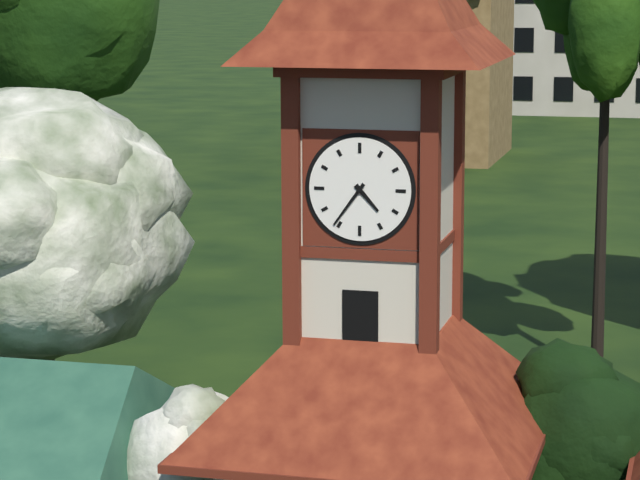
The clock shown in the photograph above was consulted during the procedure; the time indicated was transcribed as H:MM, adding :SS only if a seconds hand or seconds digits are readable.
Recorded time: 4:36
